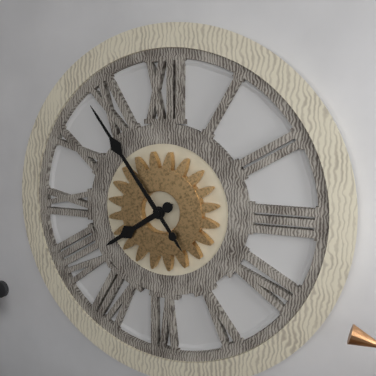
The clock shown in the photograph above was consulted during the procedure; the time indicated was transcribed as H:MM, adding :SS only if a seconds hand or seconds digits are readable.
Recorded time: 7:54
